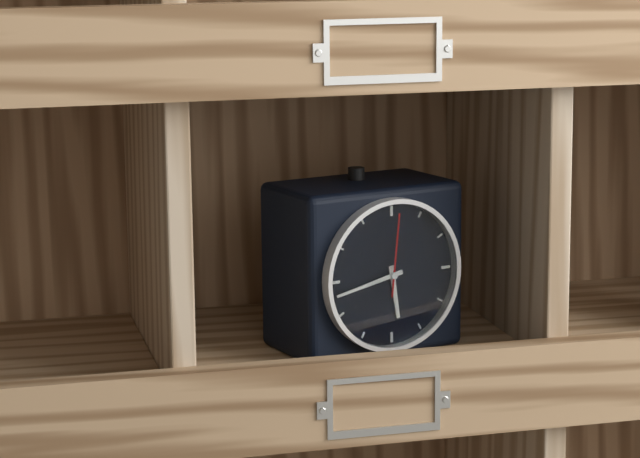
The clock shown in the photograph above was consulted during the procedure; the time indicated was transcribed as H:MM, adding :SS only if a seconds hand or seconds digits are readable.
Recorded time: 5:43:01
